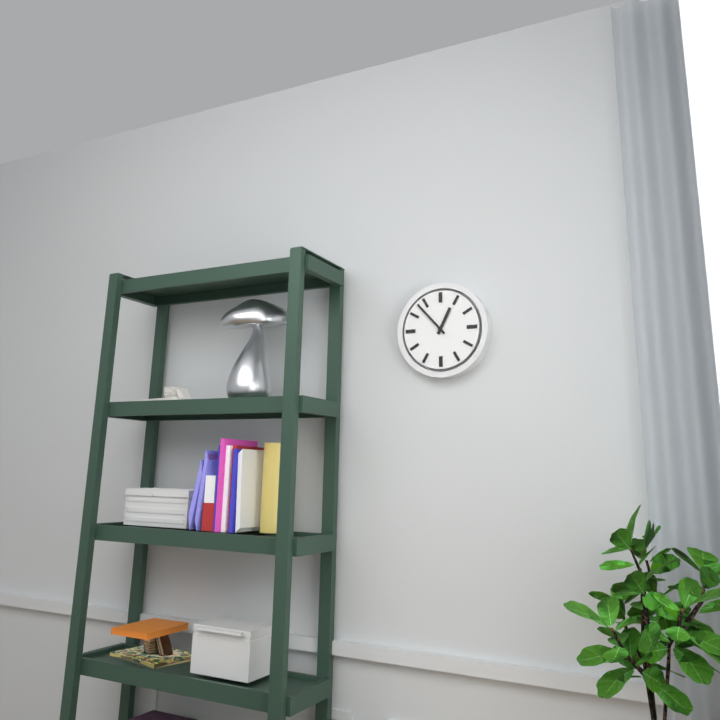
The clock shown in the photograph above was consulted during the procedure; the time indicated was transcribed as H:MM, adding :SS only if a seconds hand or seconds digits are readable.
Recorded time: 12:53
